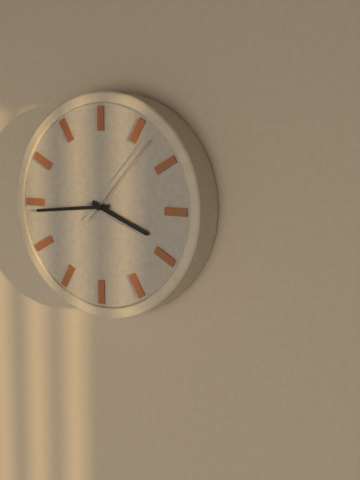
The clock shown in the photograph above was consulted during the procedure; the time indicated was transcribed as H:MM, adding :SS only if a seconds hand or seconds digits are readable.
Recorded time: 3:44:07
